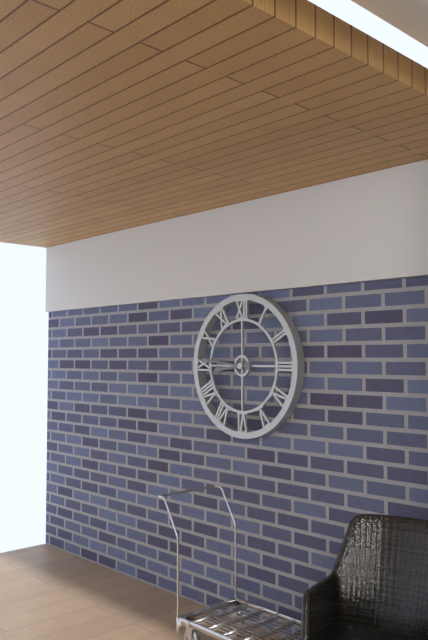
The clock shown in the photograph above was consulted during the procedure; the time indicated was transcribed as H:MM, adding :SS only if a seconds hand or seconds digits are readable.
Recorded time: 8:46
